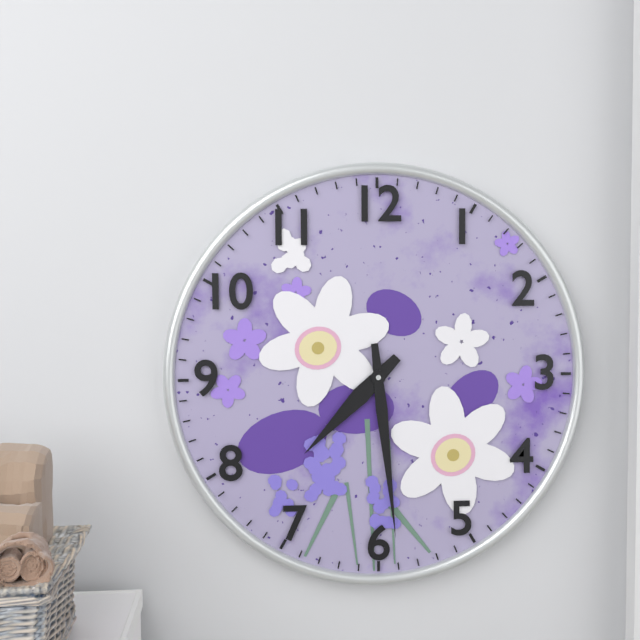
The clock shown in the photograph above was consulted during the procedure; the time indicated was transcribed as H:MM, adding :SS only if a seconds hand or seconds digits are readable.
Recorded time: 7:29
